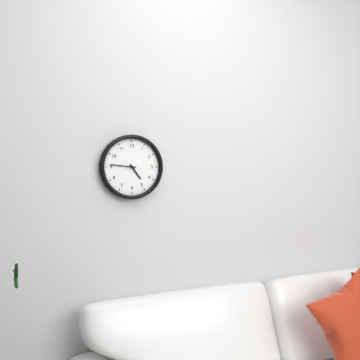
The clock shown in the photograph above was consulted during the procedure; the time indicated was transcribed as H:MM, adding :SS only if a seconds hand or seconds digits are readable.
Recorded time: 4:46
